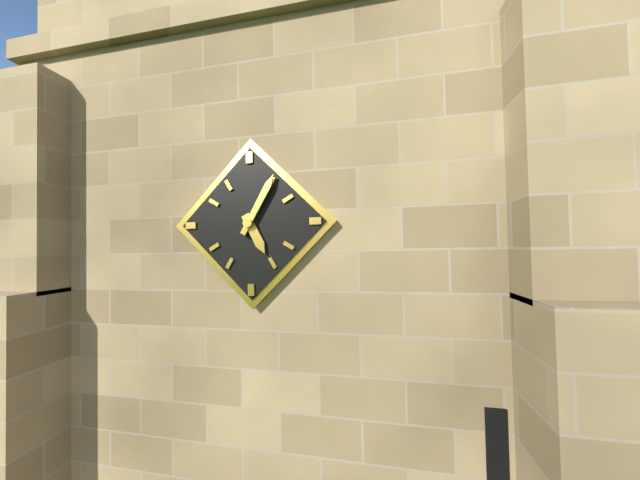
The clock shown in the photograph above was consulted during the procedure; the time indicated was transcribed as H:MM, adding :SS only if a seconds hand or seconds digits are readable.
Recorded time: 5:05
